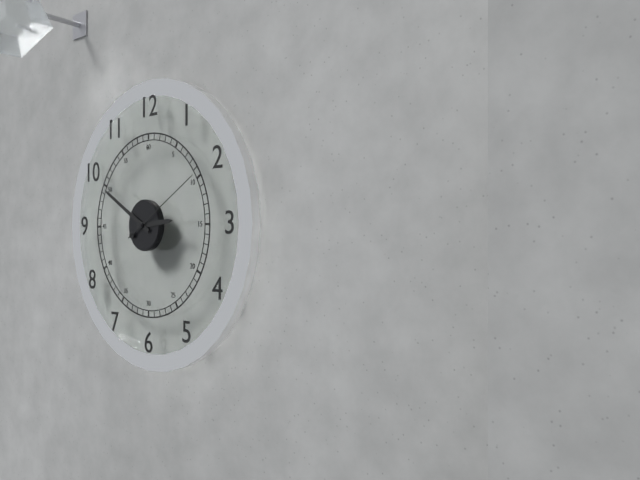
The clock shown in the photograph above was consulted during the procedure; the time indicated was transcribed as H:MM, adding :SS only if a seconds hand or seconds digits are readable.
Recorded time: 2:50:10
